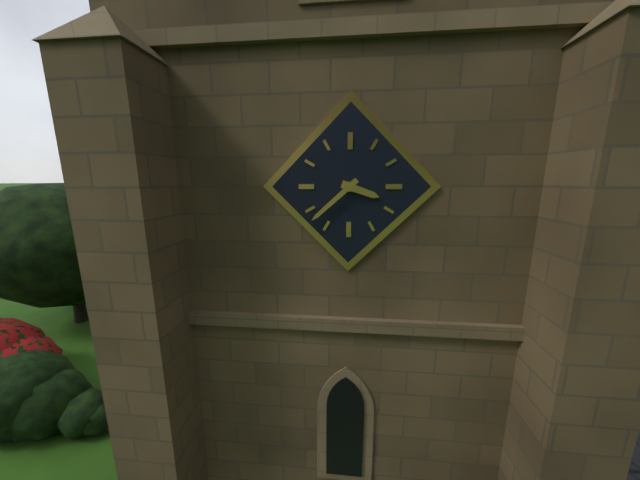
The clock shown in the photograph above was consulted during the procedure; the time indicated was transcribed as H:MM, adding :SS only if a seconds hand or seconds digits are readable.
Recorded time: 3:38
